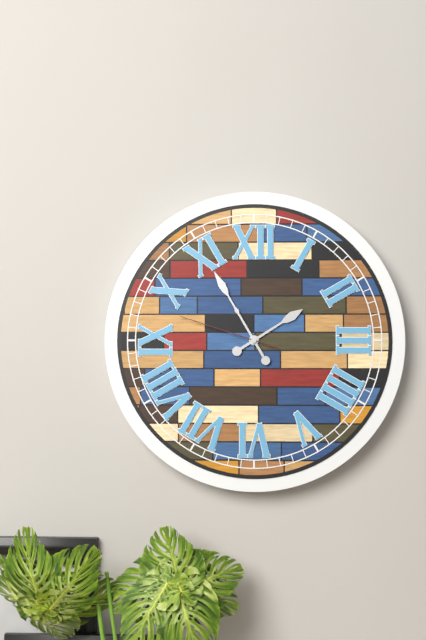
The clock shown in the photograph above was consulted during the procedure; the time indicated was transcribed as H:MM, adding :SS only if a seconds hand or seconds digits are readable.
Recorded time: 1:55:48
